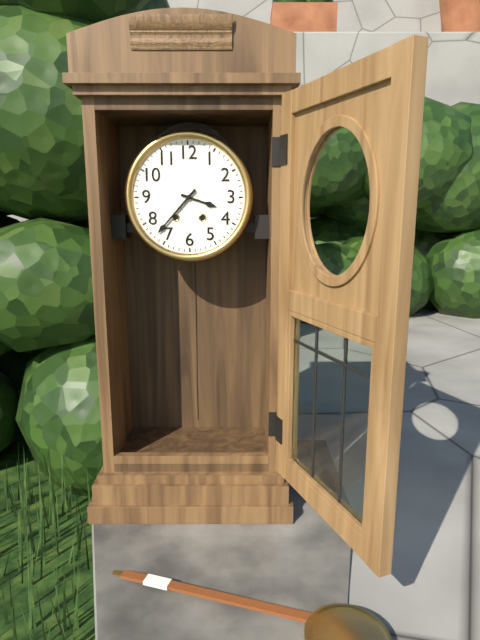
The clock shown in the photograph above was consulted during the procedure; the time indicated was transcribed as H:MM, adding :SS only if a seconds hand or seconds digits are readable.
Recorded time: 3:37
